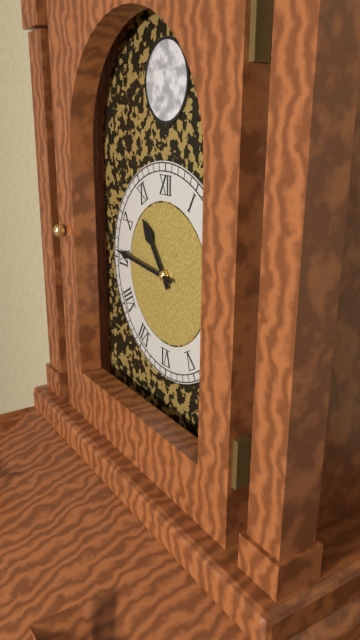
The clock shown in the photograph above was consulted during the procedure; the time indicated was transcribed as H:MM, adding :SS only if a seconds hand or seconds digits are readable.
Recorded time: 10:46
